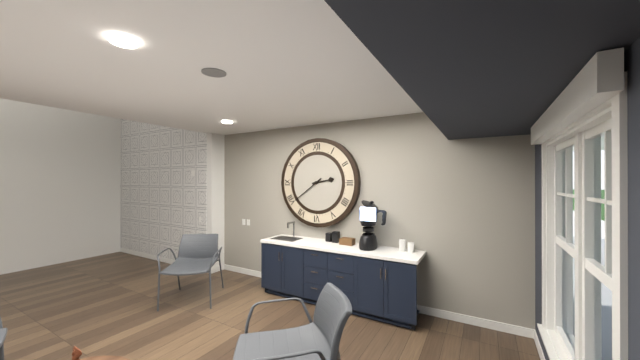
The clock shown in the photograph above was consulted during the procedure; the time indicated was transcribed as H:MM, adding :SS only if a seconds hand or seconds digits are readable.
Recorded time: 2:39
